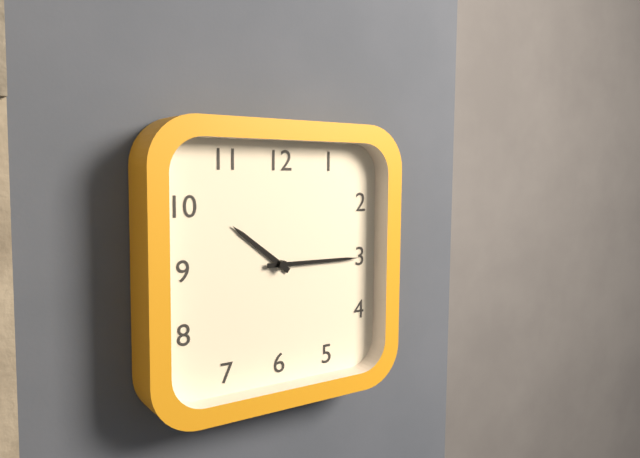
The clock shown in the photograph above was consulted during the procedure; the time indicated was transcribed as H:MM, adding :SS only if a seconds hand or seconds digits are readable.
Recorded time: 10:15
